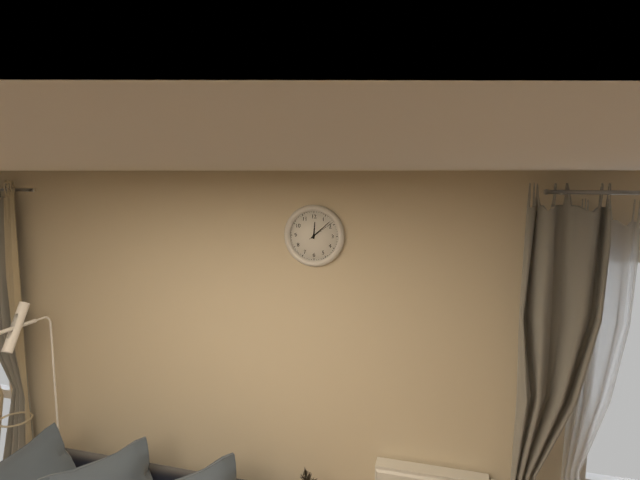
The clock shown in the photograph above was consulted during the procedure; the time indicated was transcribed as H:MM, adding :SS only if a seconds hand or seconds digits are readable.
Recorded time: 12:08
